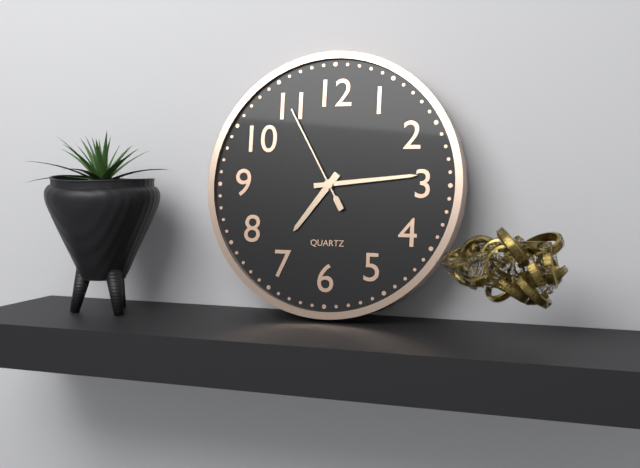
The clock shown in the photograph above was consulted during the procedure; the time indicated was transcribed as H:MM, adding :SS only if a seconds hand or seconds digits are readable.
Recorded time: 7:14:55
